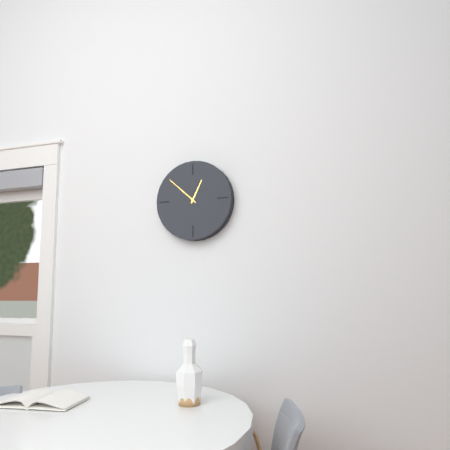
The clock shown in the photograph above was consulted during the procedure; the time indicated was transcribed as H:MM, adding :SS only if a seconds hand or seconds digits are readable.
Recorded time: 12:52
